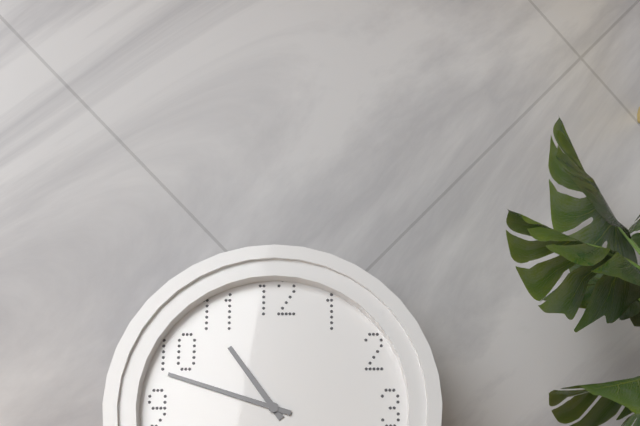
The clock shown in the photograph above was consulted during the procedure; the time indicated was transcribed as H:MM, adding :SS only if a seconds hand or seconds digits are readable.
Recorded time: 10:48
